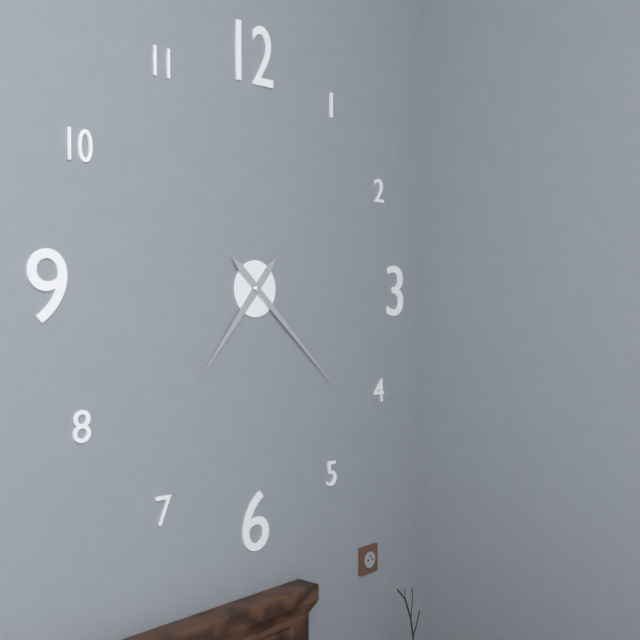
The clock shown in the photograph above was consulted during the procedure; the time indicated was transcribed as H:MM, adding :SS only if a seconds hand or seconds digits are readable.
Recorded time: 7:22
